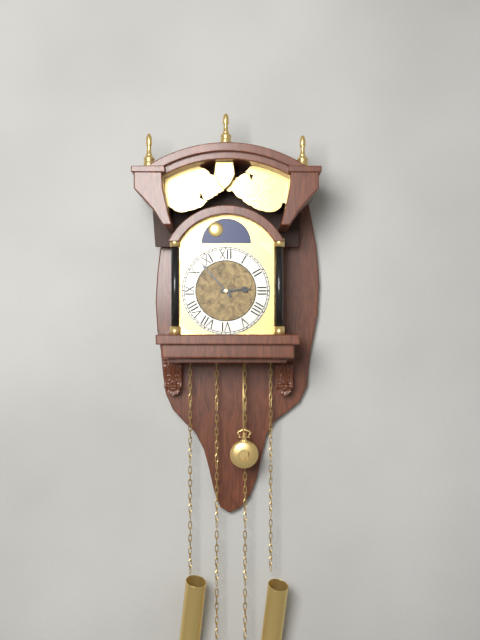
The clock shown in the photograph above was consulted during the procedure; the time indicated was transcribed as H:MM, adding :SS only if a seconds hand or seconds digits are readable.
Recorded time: 2:53
